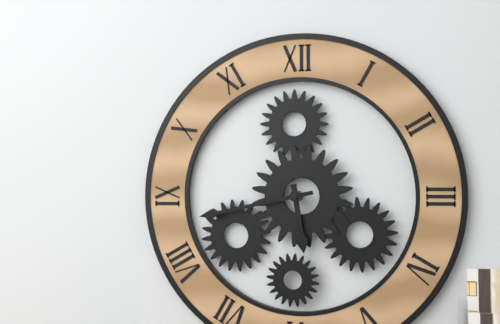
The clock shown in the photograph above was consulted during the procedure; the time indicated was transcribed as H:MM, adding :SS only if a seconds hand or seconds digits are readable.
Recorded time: 5:43
